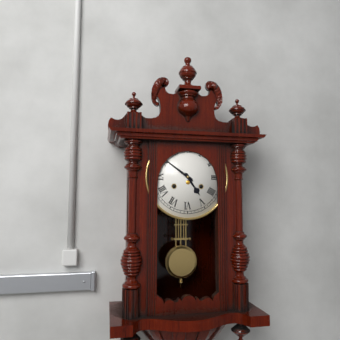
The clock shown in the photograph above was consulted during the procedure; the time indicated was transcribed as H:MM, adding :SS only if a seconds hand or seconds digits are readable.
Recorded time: 4:51
